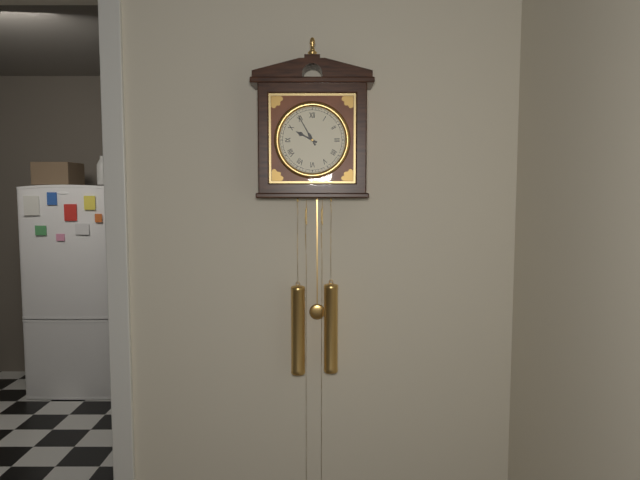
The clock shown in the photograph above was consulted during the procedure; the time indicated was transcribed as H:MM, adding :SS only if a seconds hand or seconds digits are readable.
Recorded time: 9:55
